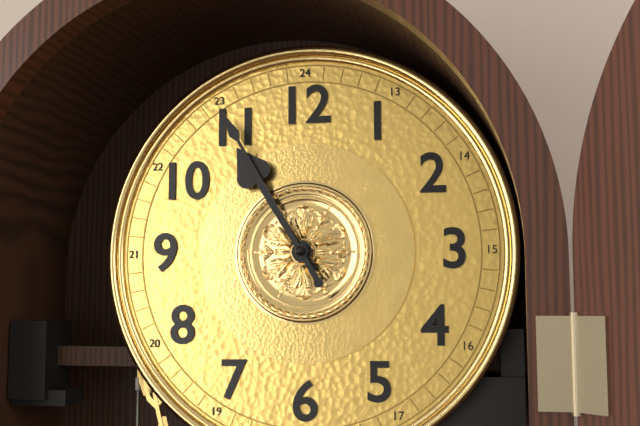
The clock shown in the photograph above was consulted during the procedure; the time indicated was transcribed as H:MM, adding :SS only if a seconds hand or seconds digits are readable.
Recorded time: 10:55
